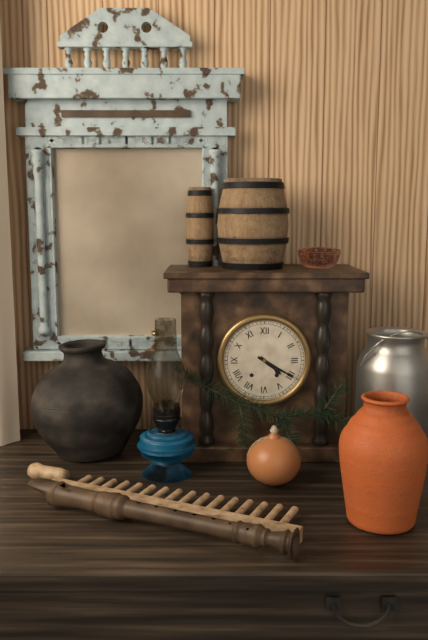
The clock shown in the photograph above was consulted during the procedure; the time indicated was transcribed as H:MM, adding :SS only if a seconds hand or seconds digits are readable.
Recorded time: 4:20
